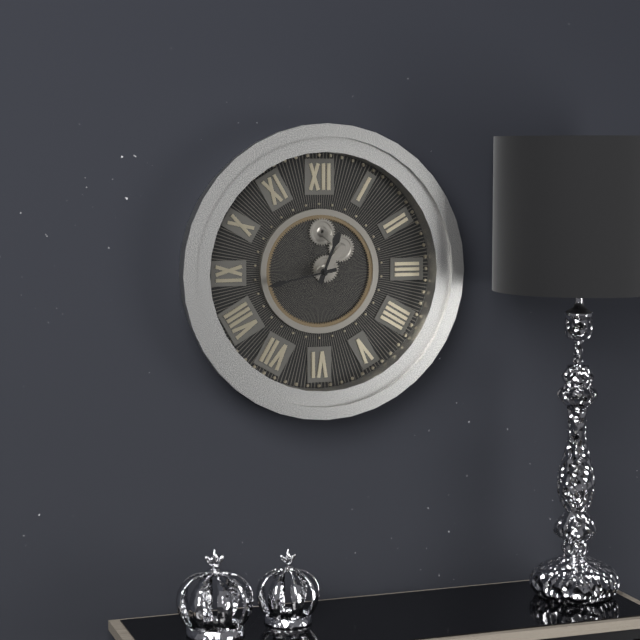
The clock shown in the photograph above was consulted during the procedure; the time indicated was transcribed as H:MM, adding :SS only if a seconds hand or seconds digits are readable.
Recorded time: 12:43
